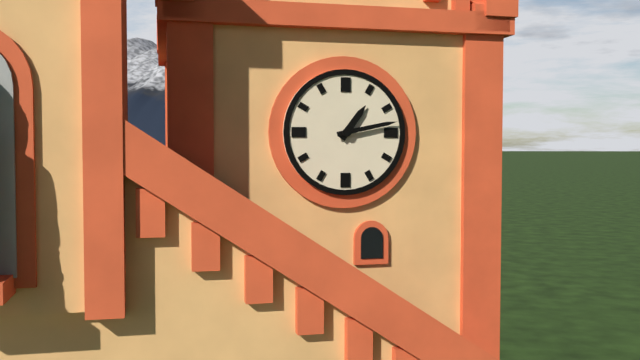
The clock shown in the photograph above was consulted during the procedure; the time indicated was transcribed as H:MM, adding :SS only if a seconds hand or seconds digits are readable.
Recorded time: 1:13
